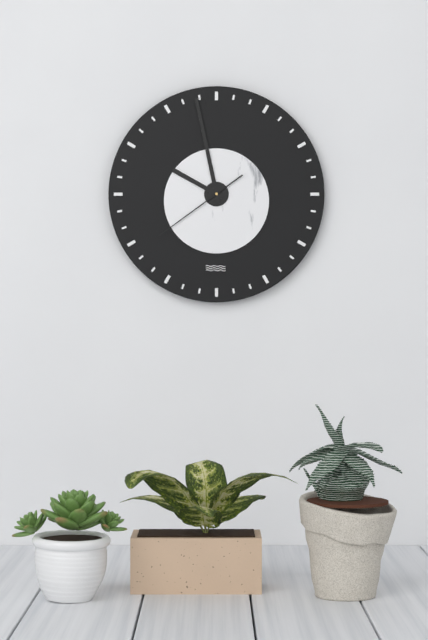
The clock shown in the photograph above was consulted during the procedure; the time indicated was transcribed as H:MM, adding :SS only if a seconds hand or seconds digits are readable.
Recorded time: 9:58:39
